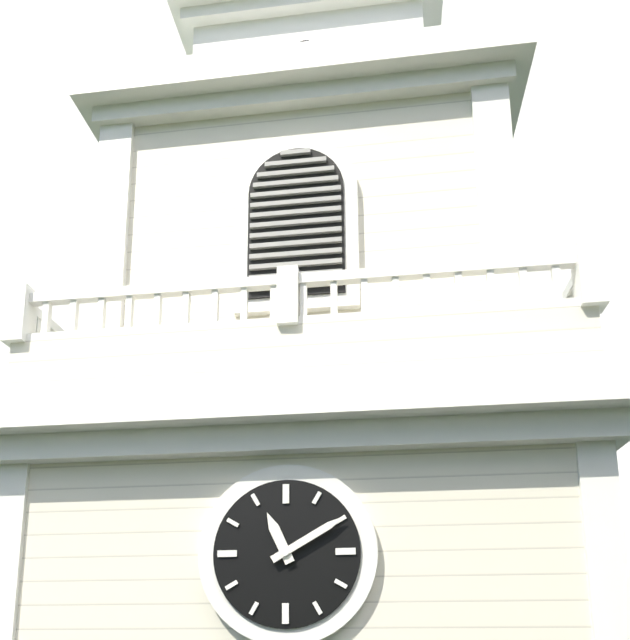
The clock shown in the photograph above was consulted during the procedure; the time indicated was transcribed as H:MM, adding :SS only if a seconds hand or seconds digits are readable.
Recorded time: 11:10
